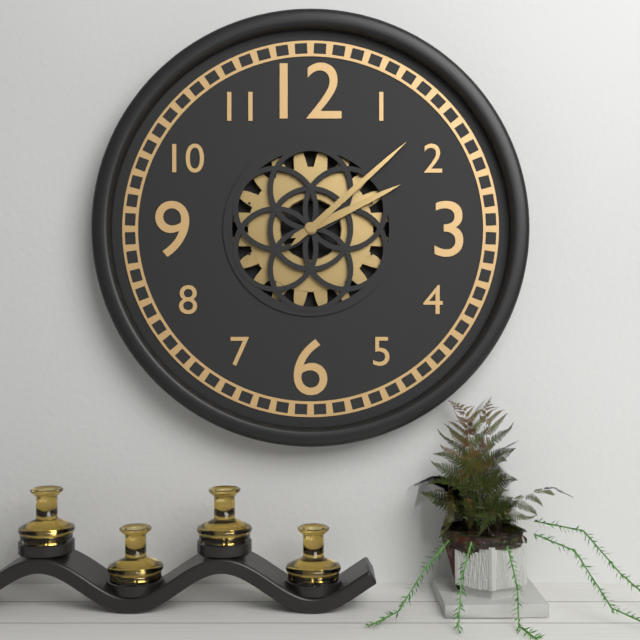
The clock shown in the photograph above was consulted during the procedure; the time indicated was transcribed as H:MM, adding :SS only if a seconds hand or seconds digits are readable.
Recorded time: 2:08
